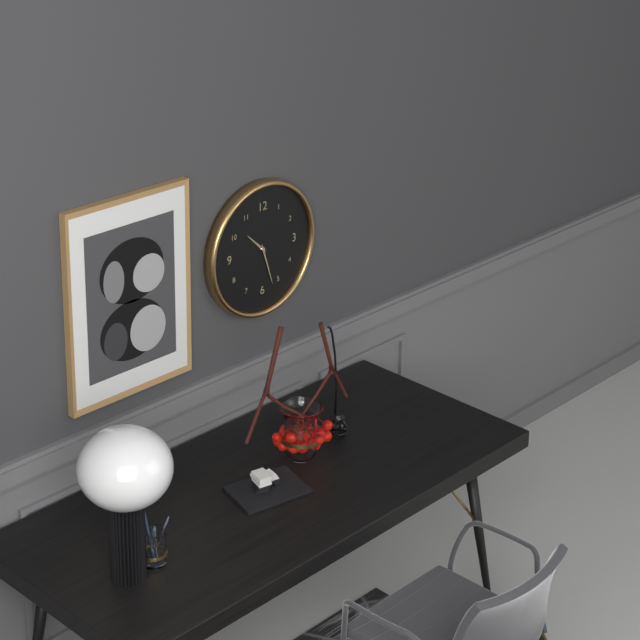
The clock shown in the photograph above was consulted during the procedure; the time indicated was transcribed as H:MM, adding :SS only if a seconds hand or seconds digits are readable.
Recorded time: 10:27
